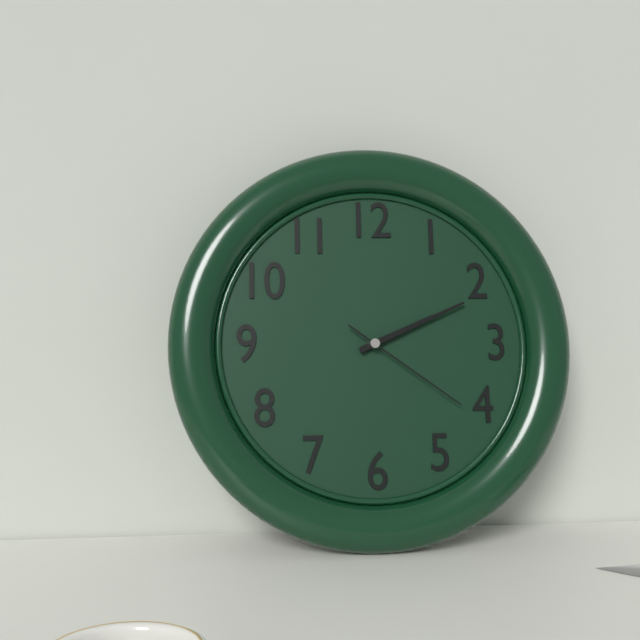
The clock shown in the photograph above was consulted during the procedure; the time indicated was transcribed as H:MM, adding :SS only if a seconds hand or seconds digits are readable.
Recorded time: 2:11:21
